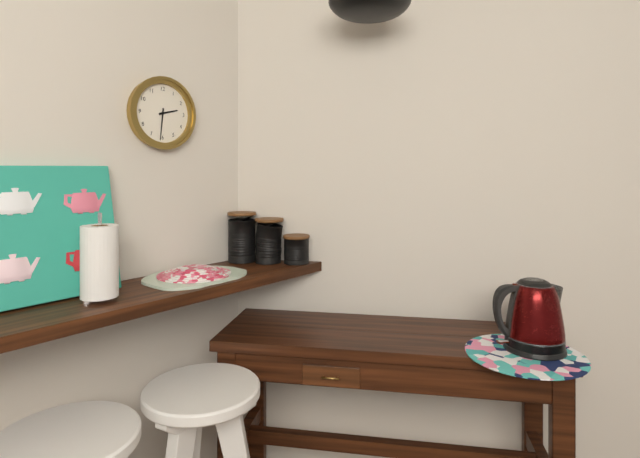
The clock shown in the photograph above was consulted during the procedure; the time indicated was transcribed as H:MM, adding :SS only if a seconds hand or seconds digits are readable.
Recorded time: 2:31
